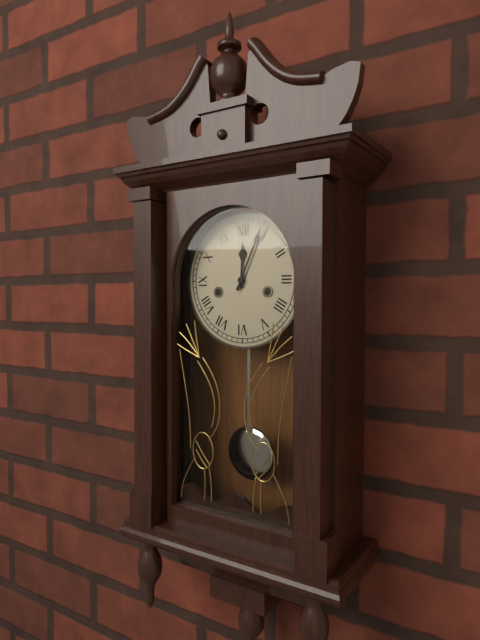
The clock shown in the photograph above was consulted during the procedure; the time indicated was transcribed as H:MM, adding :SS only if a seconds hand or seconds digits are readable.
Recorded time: 12:04
